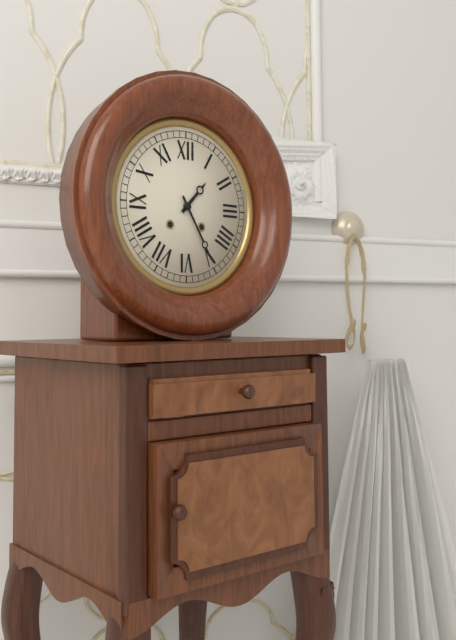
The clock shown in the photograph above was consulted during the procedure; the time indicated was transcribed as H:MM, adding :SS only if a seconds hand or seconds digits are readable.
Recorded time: 1:25
